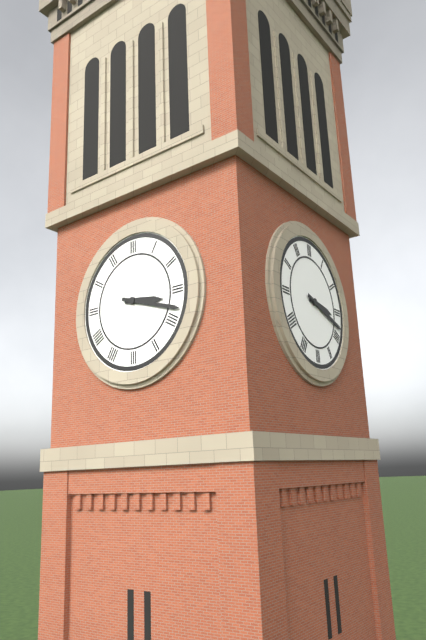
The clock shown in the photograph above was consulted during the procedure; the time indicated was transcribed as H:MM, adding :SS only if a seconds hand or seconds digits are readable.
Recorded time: 3:18
